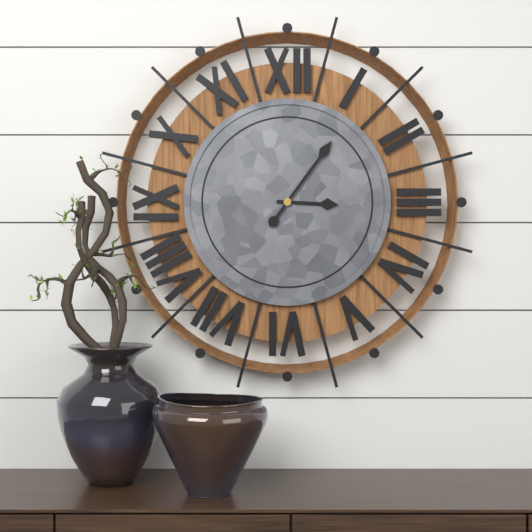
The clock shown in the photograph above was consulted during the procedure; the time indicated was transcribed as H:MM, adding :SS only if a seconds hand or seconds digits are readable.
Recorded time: 3:06
